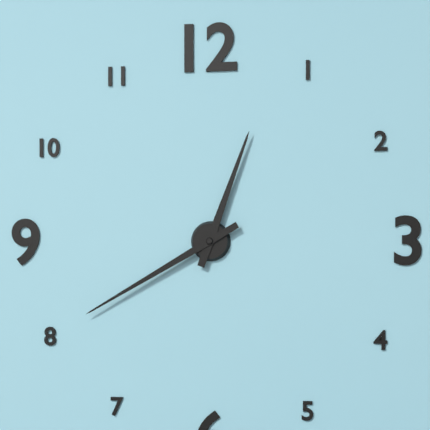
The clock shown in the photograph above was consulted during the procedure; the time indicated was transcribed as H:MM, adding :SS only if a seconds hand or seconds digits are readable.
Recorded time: 12:40
